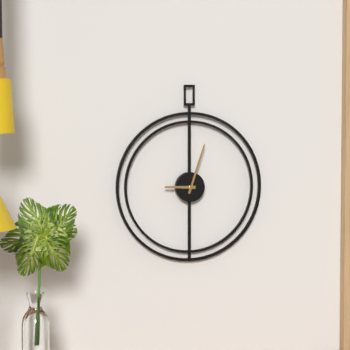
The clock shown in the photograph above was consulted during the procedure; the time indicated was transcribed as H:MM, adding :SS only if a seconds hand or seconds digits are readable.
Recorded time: 9:03
